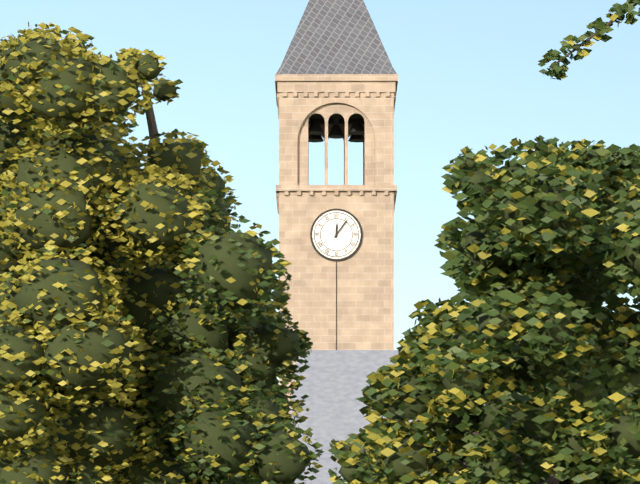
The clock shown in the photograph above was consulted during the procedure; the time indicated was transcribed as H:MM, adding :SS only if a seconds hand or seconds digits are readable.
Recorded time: 12:06
